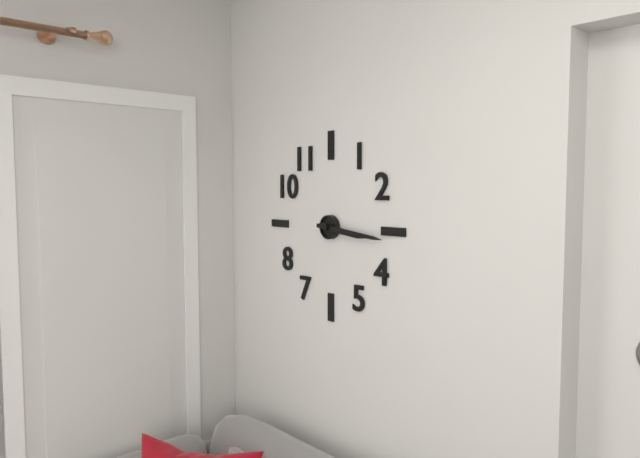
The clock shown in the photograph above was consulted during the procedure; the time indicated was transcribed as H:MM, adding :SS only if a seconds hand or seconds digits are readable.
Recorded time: 3:16
